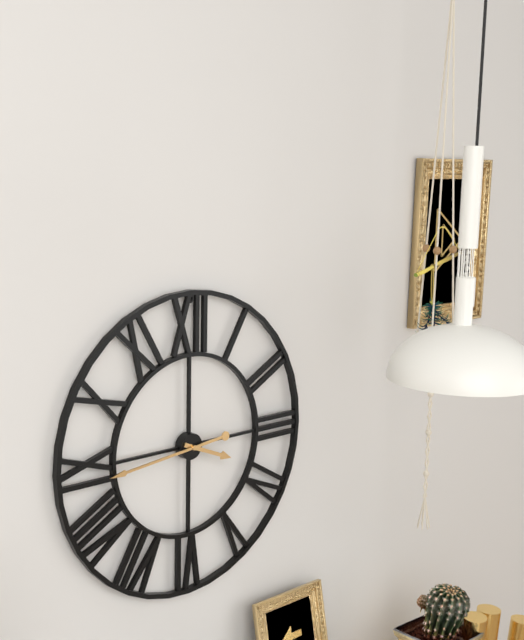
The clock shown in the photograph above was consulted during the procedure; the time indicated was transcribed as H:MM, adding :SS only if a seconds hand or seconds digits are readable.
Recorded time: 3:44
